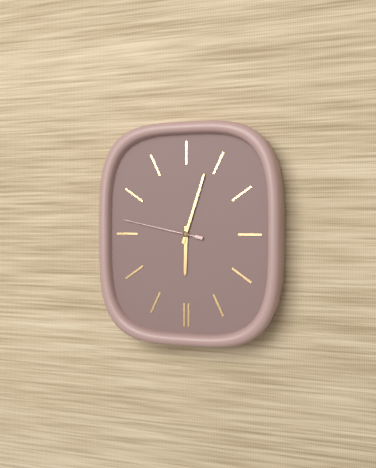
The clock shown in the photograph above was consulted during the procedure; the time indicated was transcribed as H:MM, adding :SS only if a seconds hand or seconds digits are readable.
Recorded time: 6:03:47
